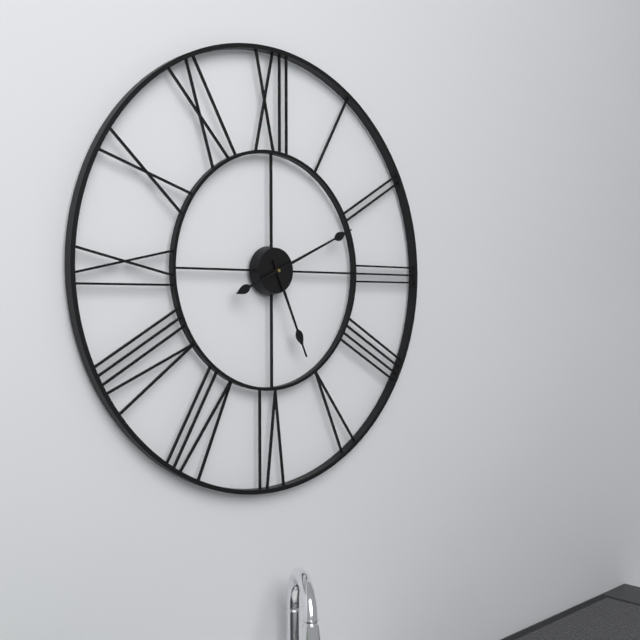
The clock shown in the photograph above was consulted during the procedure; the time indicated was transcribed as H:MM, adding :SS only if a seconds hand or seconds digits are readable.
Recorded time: 5:11
